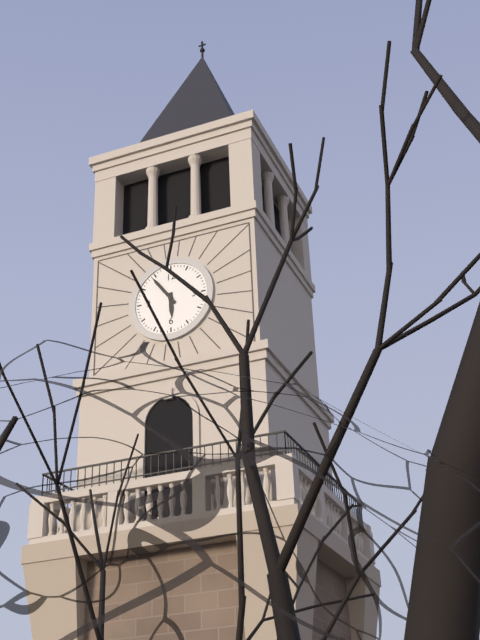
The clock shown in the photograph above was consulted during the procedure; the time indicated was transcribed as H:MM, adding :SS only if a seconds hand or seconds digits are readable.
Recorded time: 5:54
